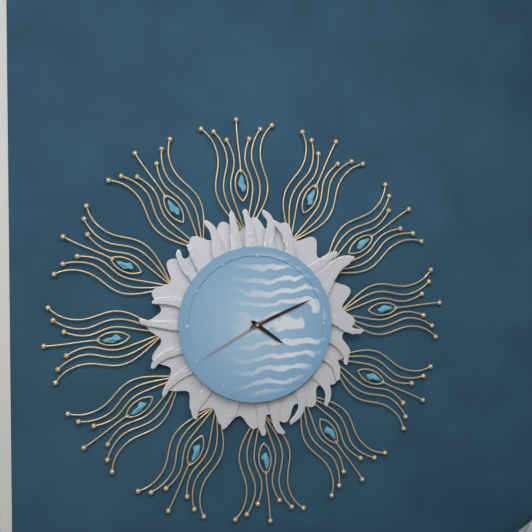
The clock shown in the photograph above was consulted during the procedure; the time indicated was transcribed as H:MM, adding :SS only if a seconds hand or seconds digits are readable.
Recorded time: 4:11:40
